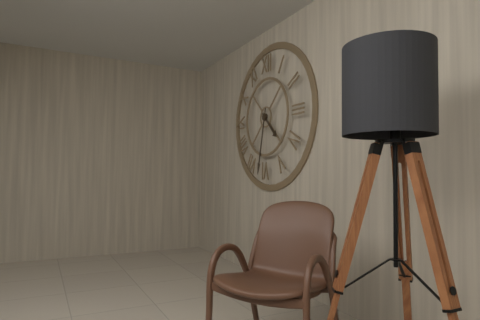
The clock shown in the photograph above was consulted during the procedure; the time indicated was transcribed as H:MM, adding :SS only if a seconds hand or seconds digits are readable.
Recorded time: 4:32
